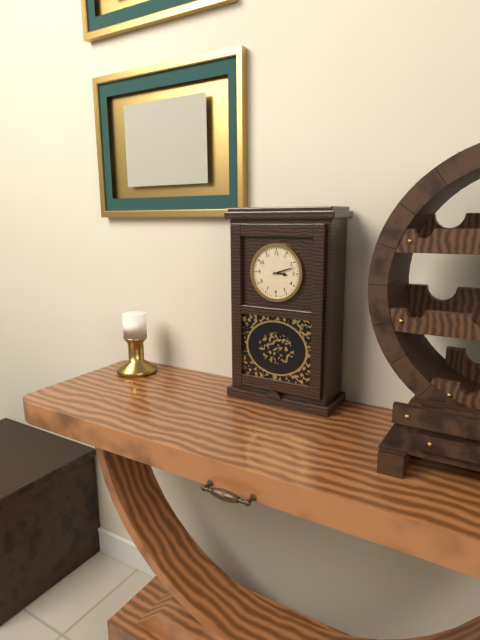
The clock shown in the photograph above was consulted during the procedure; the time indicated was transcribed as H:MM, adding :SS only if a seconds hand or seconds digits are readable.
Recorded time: 3:12
